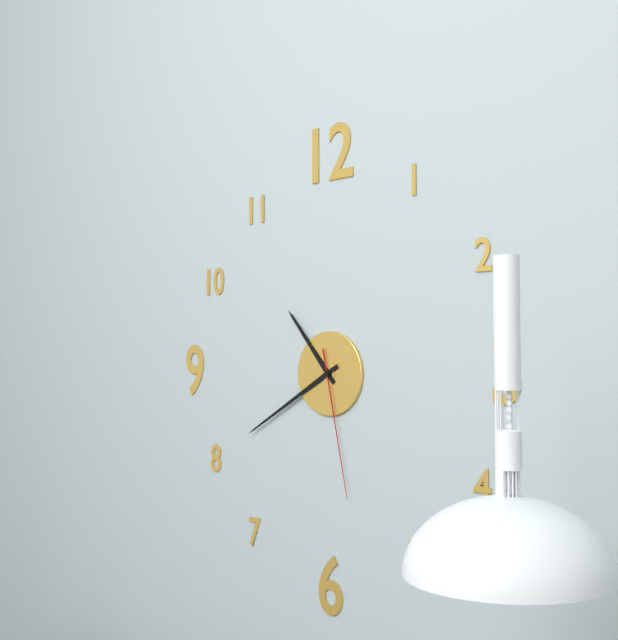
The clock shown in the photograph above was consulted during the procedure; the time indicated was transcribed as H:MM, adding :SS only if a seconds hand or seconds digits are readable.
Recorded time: 10:40:28
